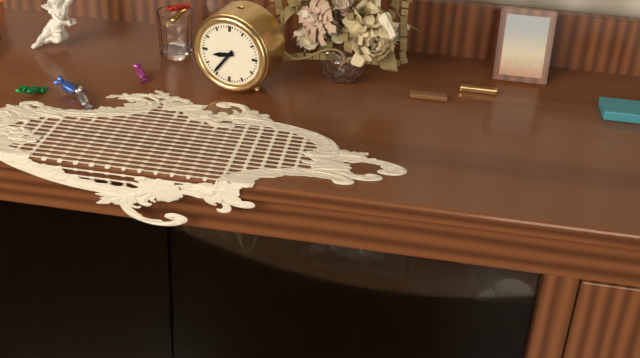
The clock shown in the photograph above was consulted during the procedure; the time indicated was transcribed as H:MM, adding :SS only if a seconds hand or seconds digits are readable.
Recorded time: 8:36
